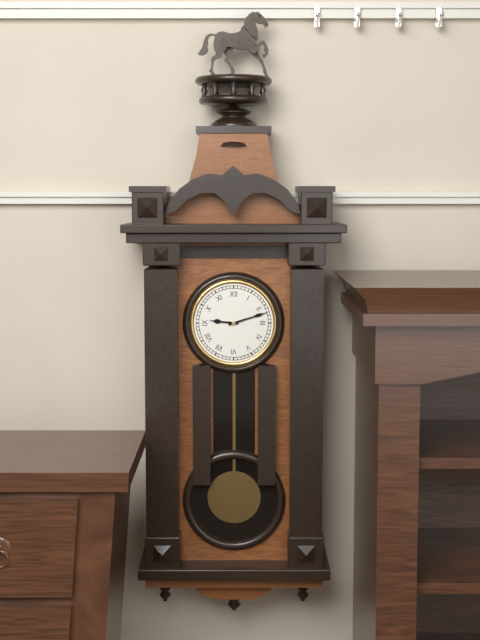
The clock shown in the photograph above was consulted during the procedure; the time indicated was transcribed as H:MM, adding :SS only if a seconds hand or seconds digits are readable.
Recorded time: 9:12
